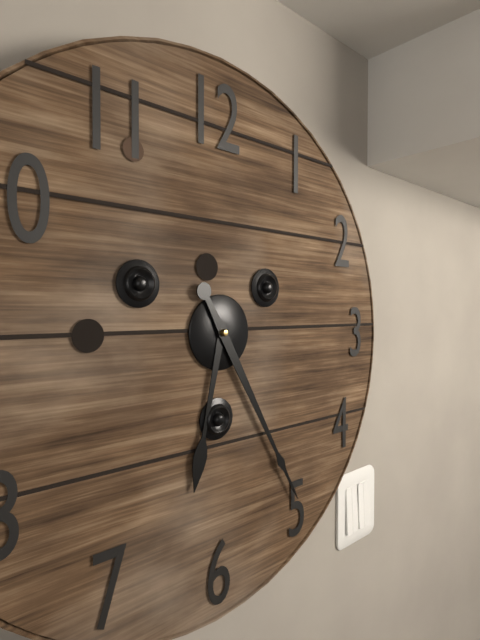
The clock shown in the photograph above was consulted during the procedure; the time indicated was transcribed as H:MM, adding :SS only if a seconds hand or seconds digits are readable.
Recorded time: 6:25
